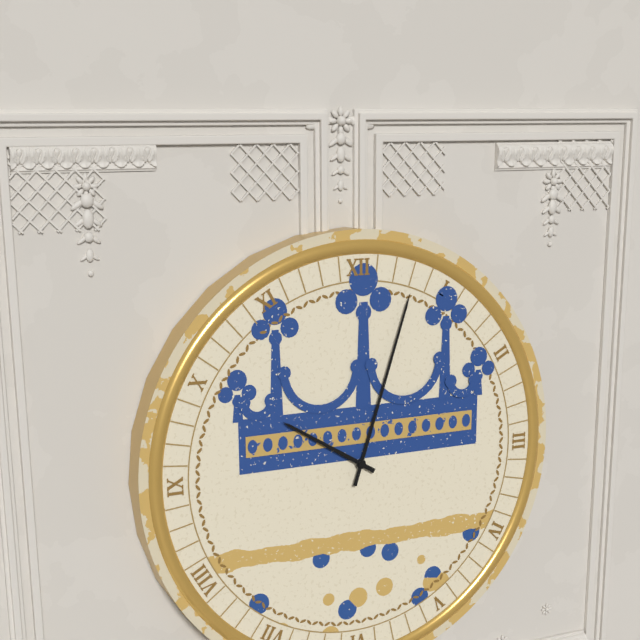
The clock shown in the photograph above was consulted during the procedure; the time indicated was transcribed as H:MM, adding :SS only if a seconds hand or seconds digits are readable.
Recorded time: 10:03
